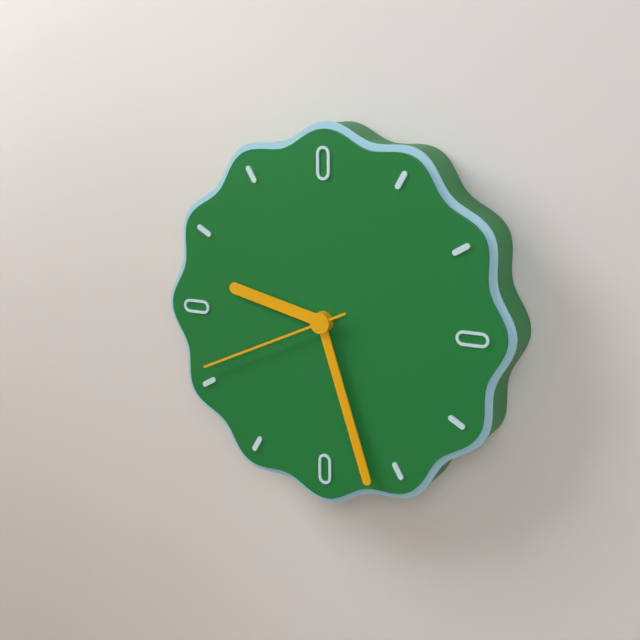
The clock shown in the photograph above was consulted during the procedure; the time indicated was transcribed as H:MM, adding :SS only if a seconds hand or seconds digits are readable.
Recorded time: 9:27:41
